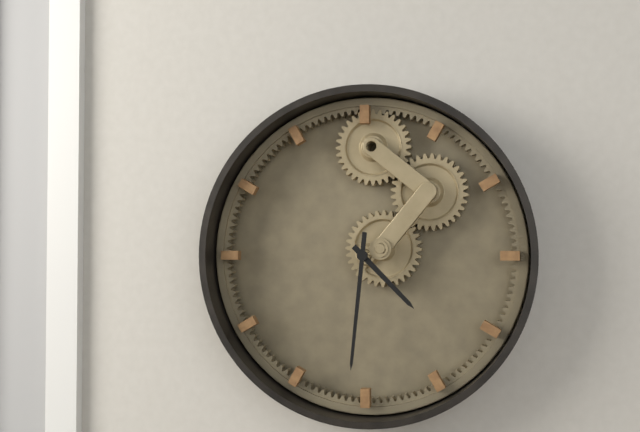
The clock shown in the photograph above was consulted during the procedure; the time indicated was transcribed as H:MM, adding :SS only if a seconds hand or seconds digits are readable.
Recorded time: 4:31
